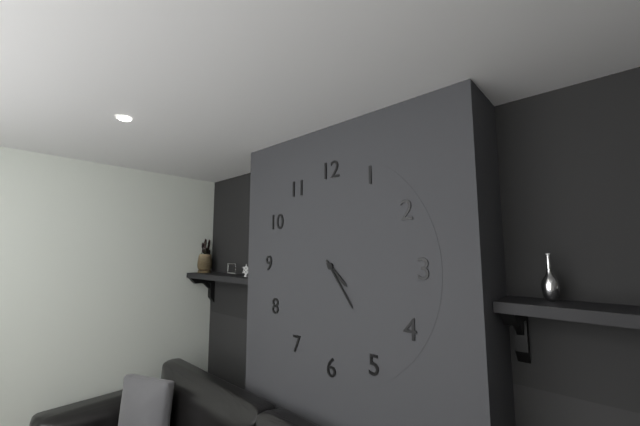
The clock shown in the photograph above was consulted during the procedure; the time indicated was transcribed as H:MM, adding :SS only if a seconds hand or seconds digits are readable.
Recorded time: 4:24
